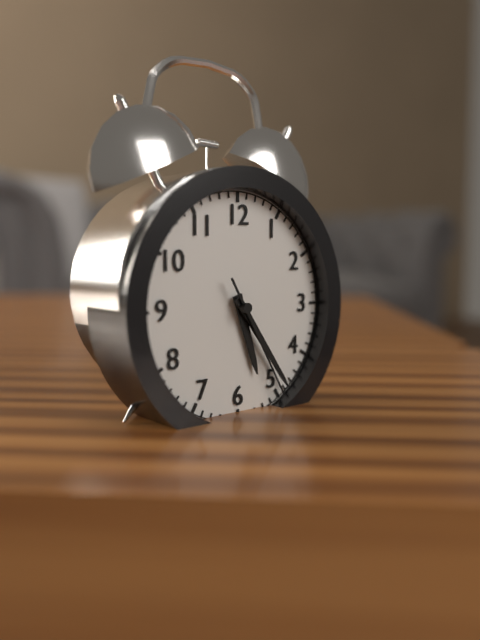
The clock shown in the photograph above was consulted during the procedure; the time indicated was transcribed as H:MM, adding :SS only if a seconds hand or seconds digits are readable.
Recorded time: 5:24:25
